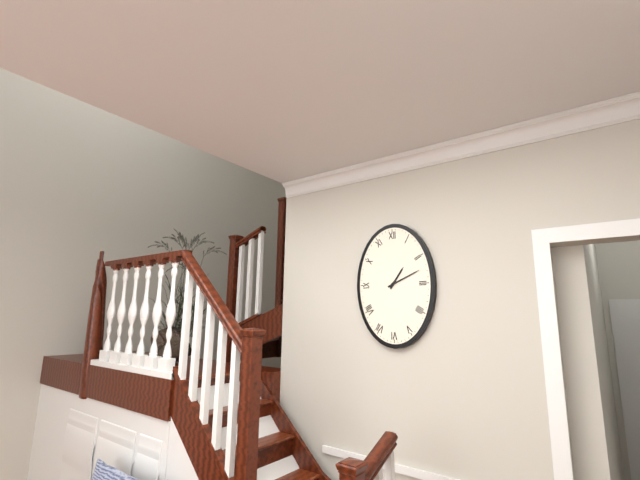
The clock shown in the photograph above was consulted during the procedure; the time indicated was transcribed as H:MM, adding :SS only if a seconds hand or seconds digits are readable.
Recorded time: 1:11
